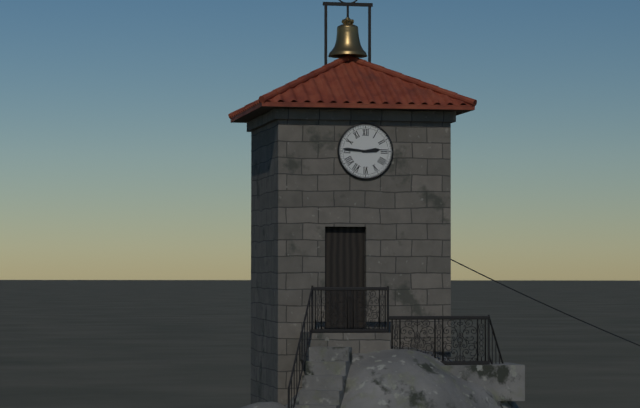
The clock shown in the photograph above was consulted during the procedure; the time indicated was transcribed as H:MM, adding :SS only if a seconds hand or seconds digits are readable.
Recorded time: 2:46
